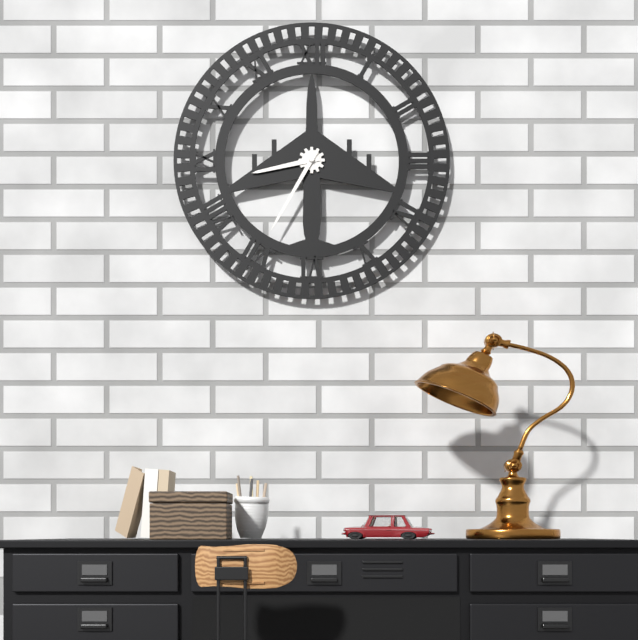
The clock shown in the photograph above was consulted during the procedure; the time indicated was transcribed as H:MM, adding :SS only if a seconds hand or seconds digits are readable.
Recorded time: 8:35
